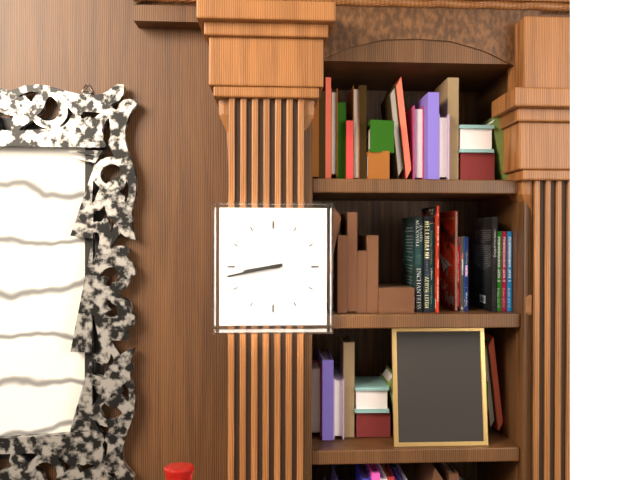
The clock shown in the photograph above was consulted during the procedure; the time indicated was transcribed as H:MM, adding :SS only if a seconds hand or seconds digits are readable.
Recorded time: 8:43
